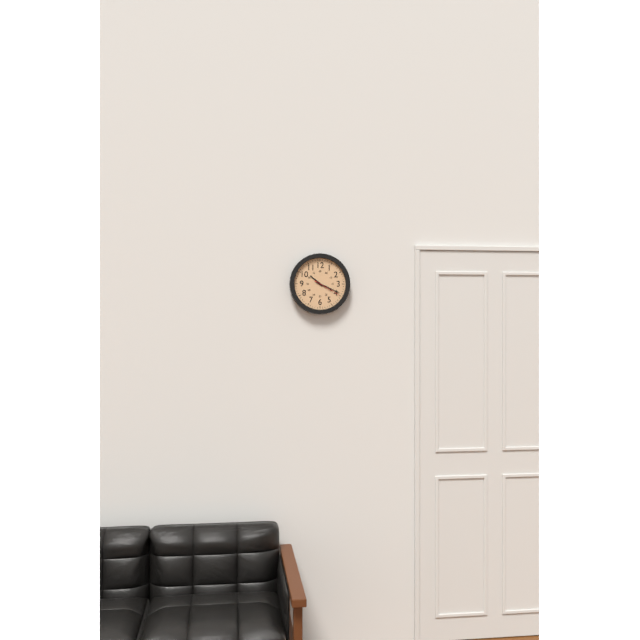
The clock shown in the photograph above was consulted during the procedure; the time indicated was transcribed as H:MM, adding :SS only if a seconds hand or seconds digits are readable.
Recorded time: 10:19
